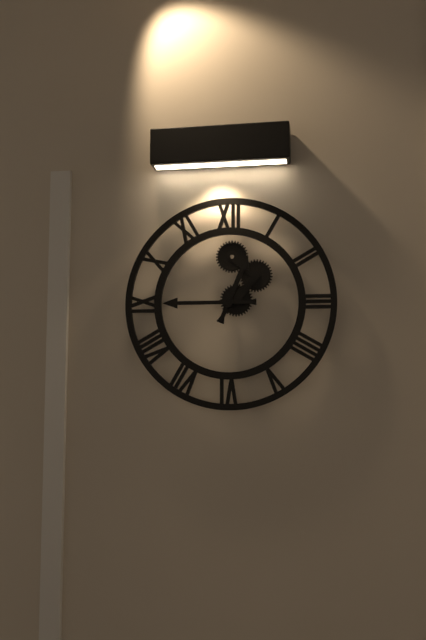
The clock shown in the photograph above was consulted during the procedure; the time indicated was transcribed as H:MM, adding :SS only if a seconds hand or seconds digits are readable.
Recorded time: 12:45
